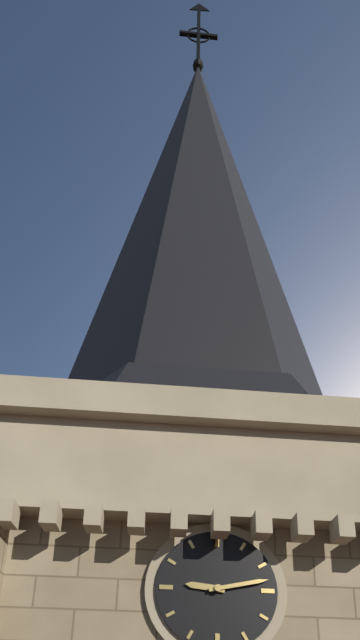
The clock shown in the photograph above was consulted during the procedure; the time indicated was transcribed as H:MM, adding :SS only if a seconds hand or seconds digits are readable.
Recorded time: 9:13
